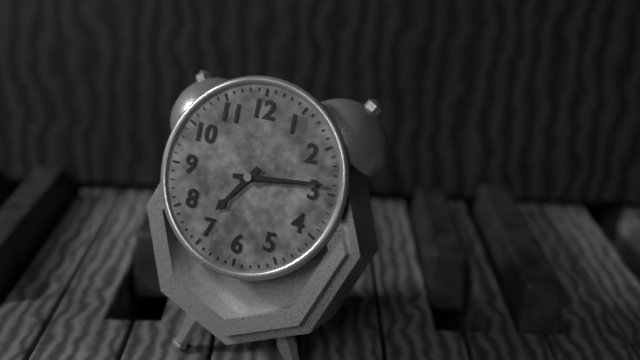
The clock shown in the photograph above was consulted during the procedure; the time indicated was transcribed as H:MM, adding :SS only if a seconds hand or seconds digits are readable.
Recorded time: 7:14
